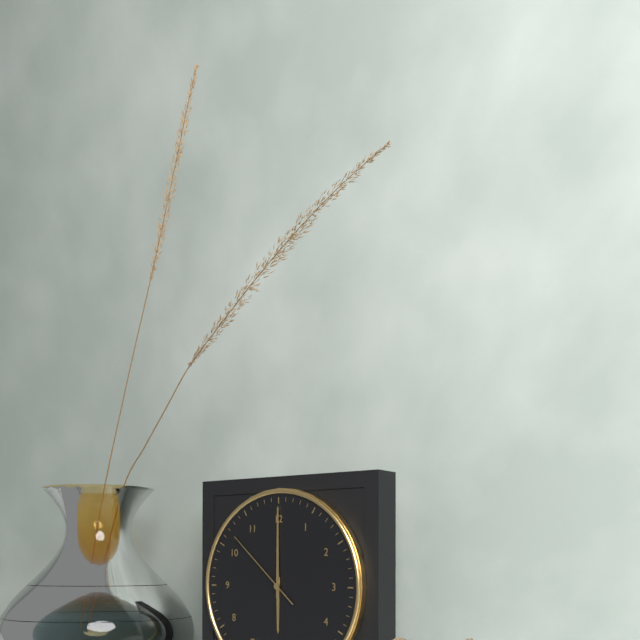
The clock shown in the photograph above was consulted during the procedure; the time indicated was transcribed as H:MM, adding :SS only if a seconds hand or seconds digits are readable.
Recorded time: 6:00:52
